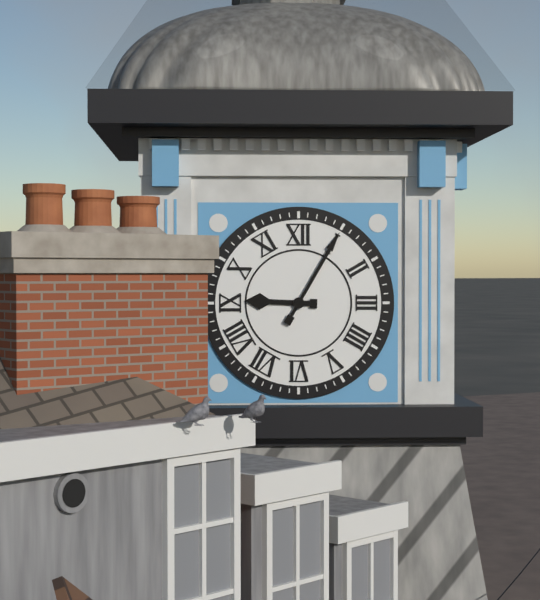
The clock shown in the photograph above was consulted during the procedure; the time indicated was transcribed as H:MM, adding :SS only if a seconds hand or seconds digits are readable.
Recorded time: 9:05
